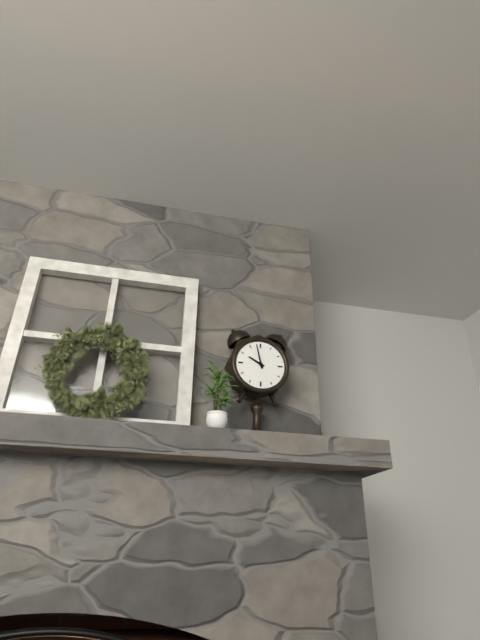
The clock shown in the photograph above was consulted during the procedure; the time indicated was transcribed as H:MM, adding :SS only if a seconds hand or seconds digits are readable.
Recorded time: 9:58
